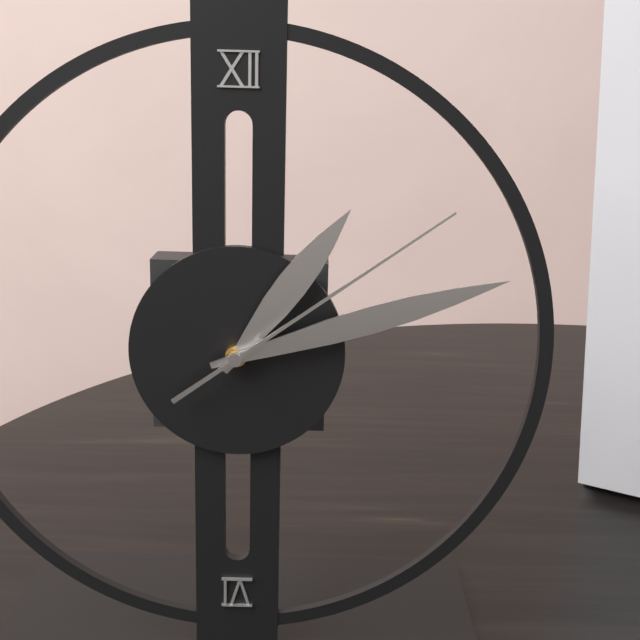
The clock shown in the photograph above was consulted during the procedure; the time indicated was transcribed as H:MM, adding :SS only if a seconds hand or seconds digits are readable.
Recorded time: 1:12:09
